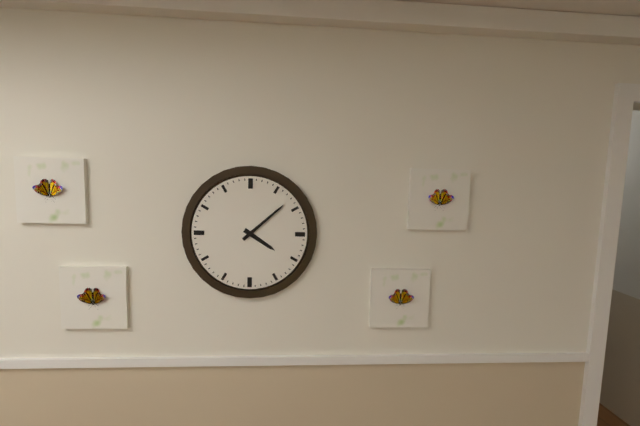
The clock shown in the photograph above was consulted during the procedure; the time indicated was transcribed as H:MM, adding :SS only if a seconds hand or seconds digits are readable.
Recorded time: 4:08
